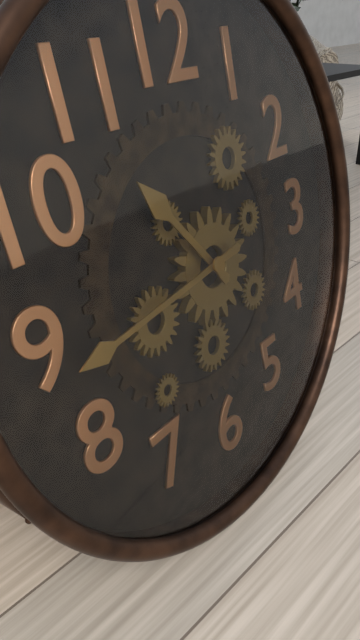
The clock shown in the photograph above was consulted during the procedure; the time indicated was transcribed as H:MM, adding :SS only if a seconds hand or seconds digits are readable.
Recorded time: 10:44
